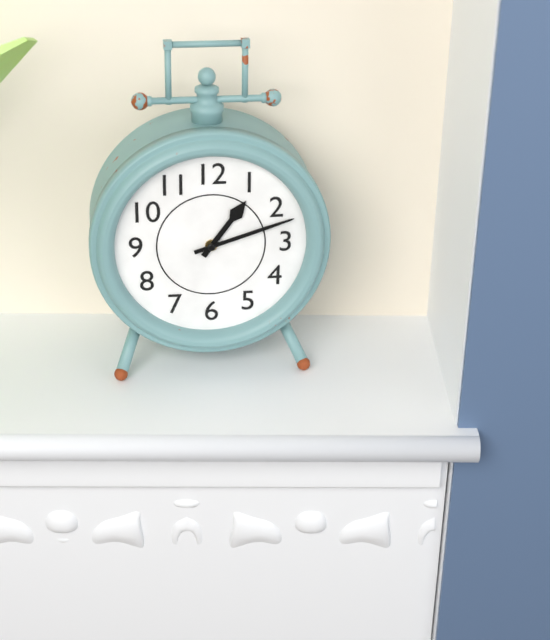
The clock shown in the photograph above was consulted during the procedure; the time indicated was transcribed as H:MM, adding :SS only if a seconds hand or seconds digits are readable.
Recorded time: 1:12
